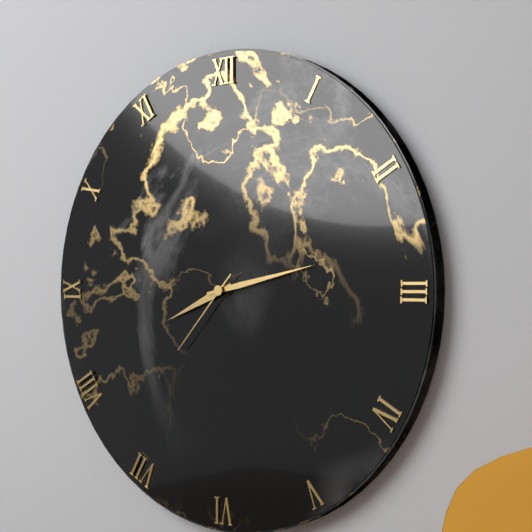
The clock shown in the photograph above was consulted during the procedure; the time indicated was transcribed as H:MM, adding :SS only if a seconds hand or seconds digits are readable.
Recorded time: 8:13:37
